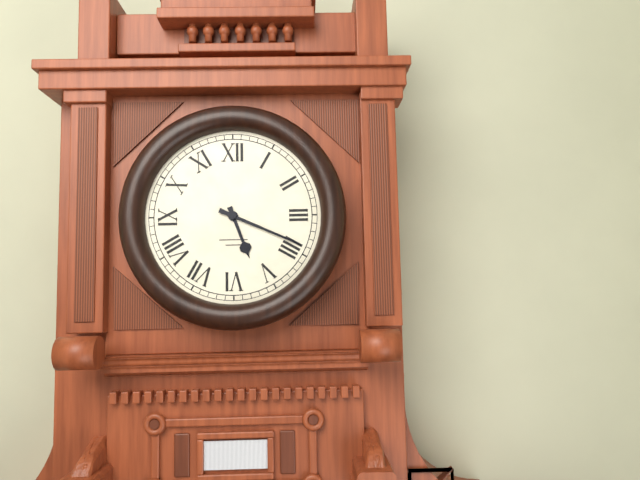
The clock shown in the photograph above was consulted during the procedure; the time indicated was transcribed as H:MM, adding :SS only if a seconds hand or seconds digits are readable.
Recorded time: 5:19
